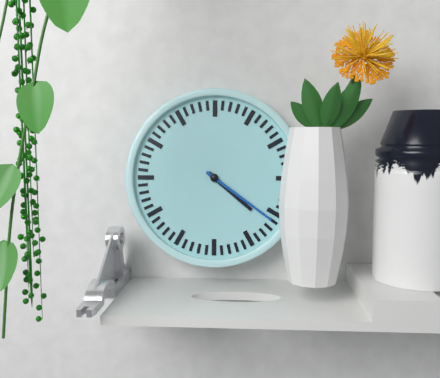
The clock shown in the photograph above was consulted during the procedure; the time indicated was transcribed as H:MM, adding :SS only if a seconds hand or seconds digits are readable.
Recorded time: 4:21
